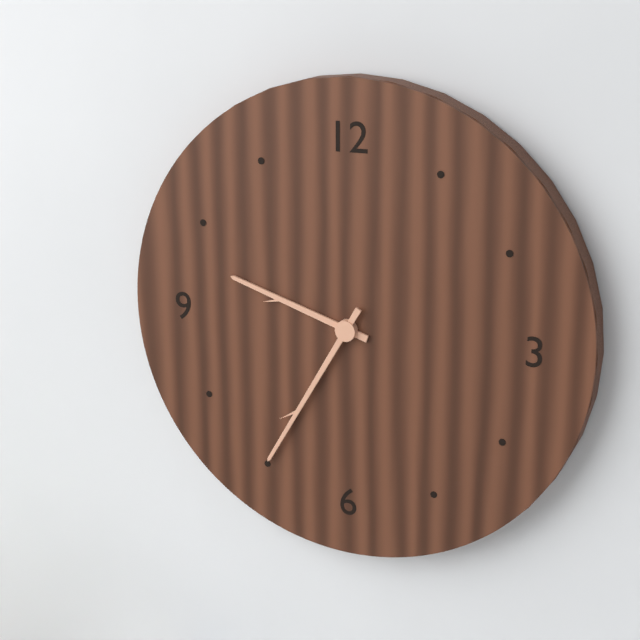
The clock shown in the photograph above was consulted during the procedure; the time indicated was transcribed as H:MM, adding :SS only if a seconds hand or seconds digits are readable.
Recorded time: 9:35
